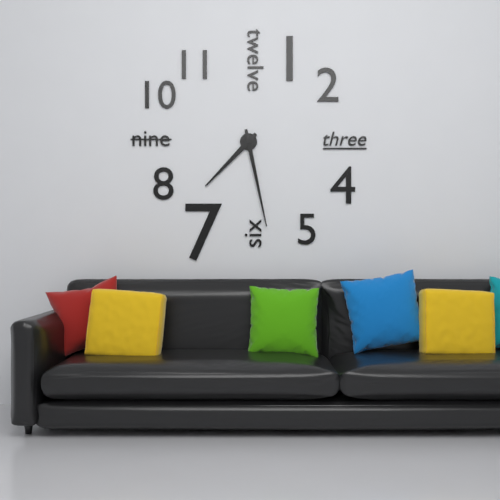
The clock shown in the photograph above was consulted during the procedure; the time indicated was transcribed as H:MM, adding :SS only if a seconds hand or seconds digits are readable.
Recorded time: 7:28
